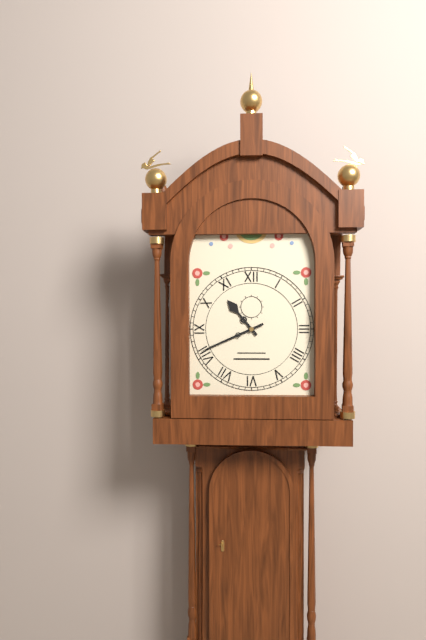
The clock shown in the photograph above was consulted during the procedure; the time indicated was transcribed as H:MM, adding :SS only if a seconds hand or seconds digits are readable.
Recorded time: 10:41
